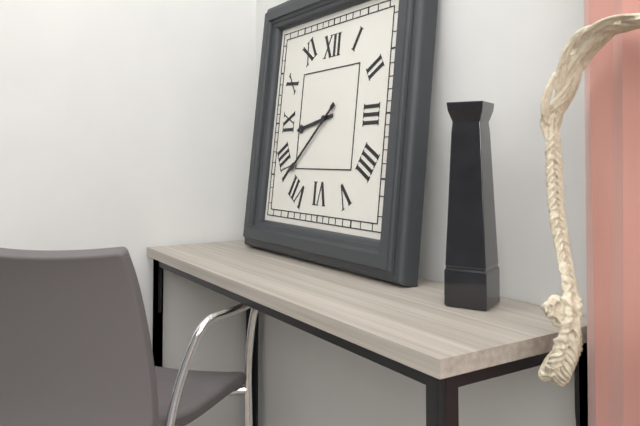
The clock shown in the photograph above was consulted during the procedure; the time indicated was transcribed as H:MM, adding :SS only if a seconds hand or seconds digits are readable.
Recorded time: 8:38
